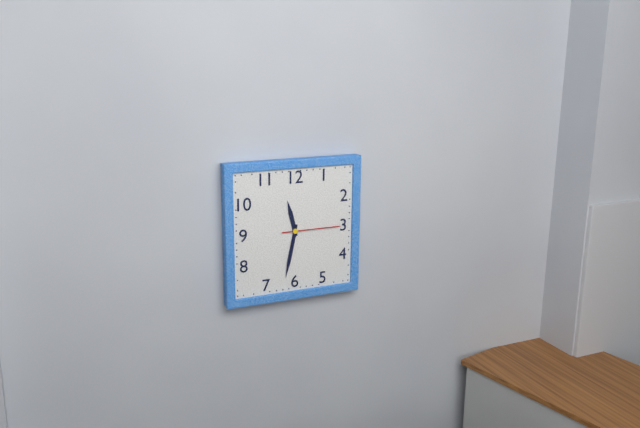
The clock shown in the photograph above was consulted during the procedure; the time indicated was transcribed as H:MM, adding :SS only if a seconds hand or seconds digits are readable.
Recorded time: 11:32:15
